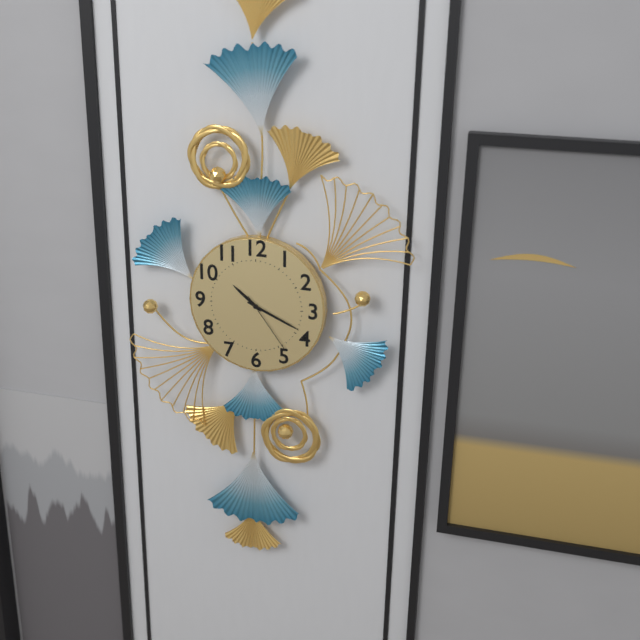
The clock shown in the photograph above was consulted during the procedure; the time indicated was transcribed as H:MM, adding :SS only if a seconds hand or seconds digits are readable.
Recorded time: 10:19:24
